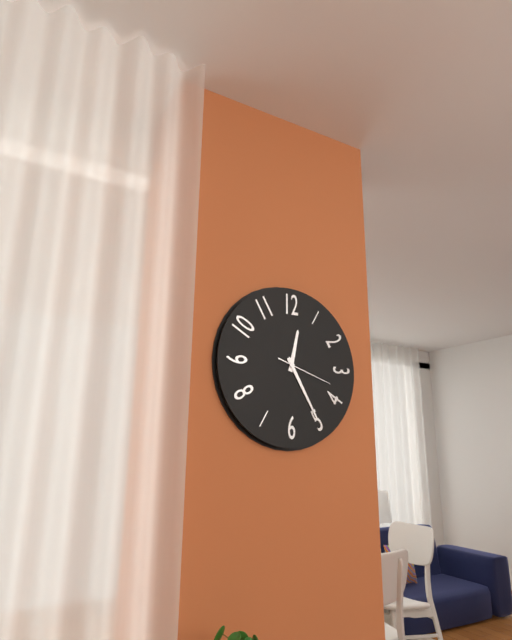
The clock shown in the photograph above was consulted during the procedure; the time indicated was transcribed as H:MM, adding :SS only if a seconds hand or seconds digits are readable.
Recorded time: 12:25:18
